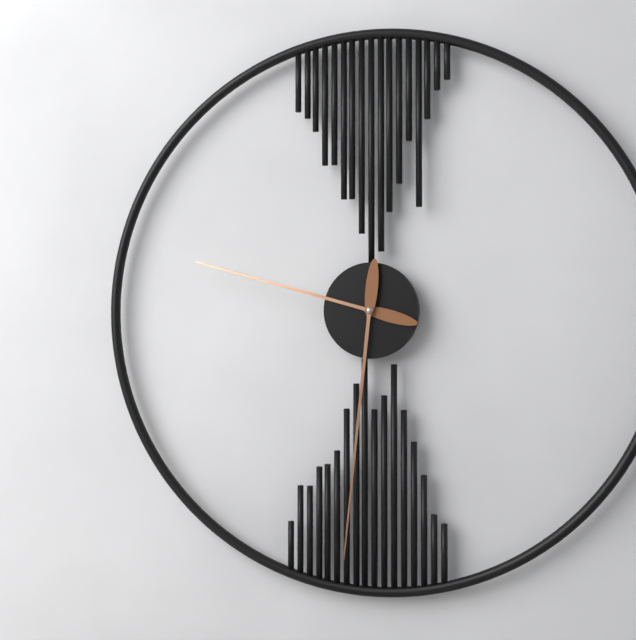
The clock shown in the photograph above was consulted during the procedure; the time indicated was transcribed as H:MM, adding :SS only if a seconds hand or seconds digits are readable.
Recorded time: 9:31
